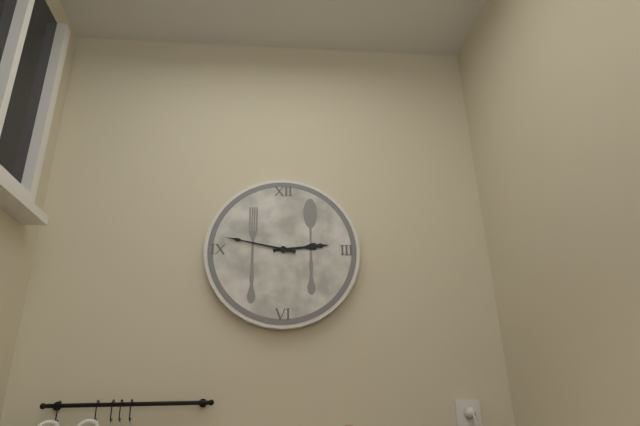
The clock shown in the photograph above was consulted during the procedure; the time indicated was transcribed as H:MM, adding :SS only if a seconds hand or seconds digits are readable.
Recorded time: 2:47
